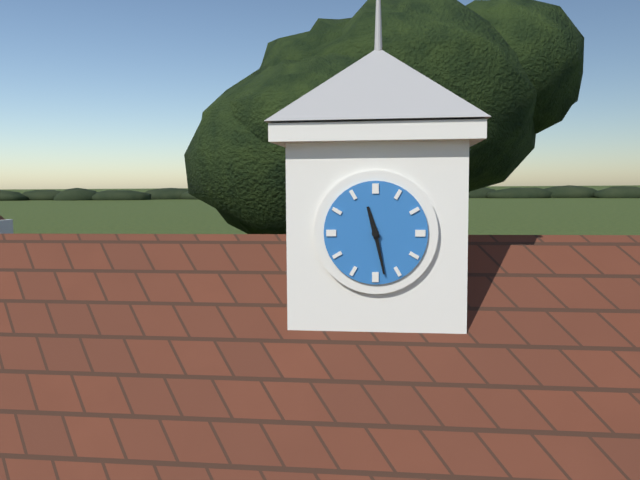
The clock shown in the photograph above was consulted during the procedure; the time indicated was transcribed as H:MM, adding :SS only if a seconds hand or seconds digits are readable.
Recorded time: 11:28
